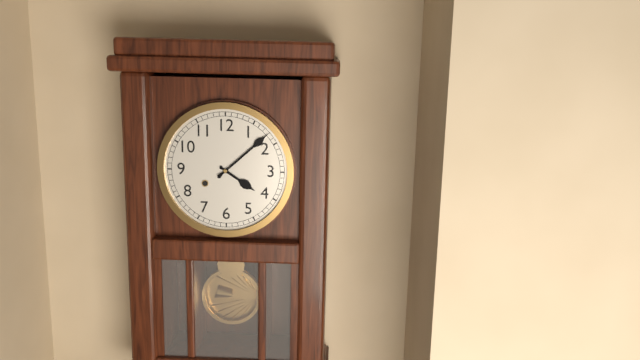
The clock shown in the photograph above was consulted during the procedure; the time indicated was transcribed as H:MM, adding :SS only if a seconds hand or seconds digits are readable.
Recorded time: 4:08
